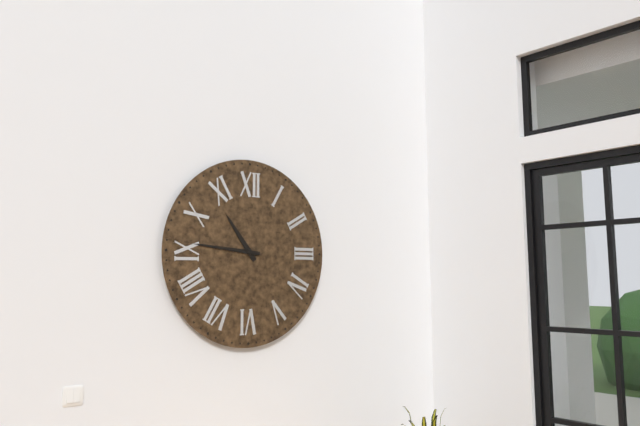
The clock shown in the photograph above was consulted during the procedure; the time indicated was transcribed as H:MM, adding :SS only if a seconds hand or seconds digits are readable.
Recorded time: 10:46
